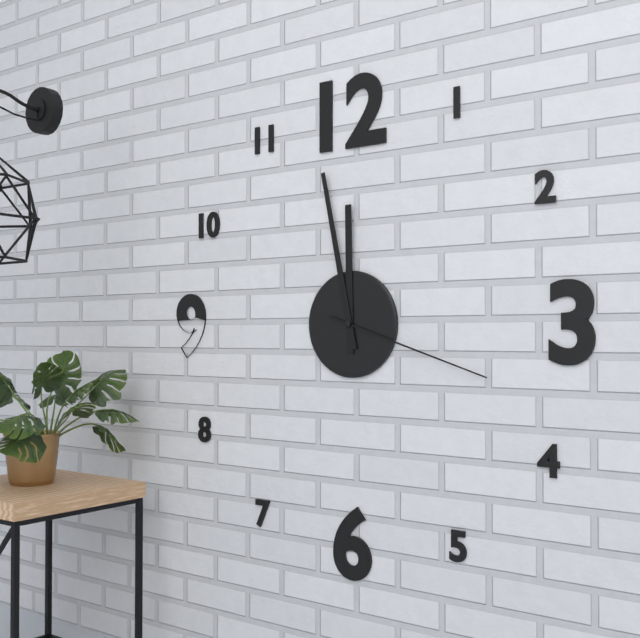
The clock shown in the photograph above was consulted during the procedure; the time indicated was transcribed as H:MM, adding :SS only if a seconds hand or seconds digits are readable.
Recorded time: 11:58:18
